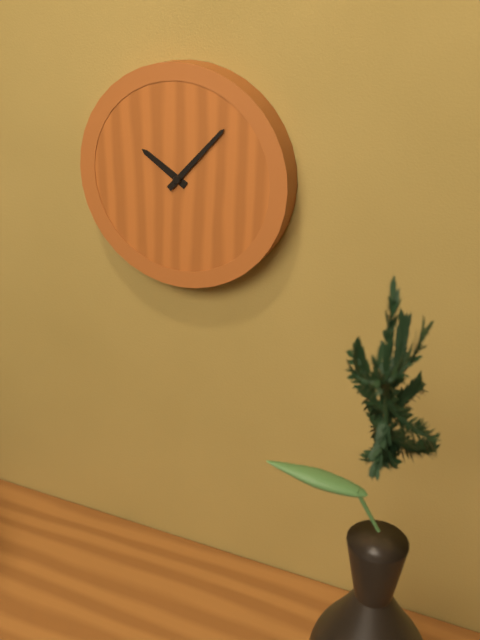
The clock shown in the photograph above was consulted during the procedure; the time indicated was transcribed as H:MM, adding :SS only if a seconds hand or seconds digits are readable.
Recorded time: 10:07
